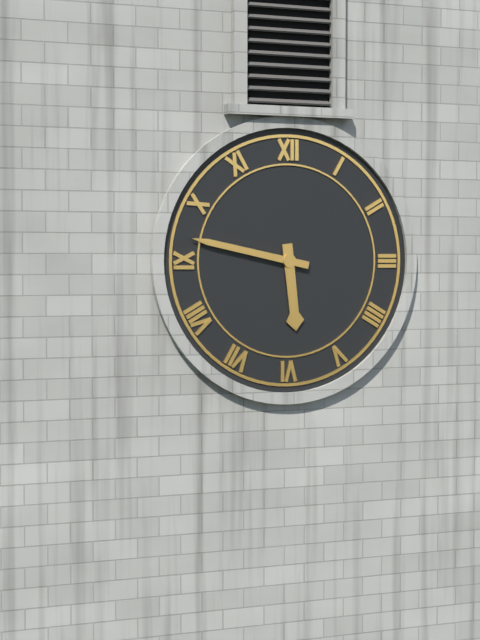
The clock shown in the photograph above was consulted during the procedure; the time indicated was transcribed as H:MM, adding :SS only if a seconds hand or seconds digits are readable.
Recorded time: 5:47
